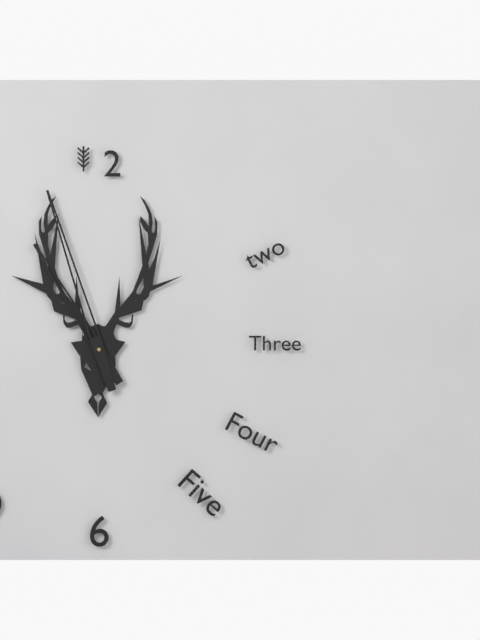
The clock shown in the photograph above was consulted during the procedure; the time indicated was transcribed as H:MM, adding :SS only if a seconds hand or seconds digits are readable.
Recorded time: 10:57
